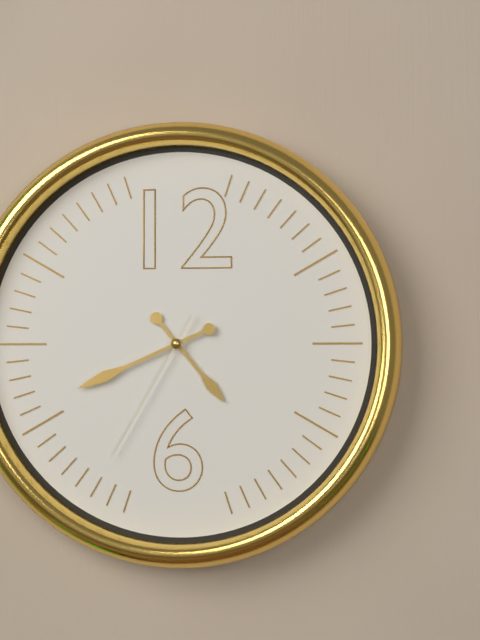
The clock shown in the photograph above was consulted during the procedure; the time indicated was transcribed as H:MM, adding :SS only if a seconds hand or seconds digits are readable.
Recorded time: 4:41:35
